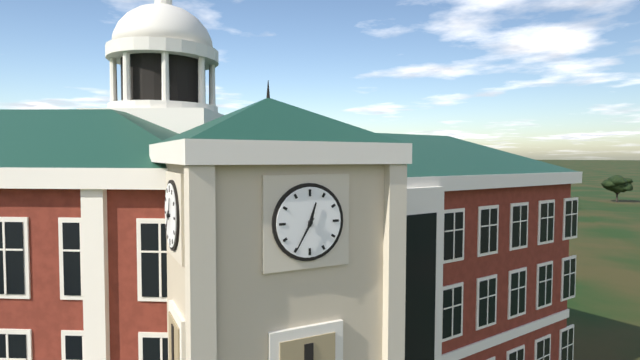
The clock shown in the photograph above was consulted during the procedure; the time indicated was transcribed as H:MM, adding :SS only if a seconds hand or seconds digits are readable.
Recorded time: 12:35
